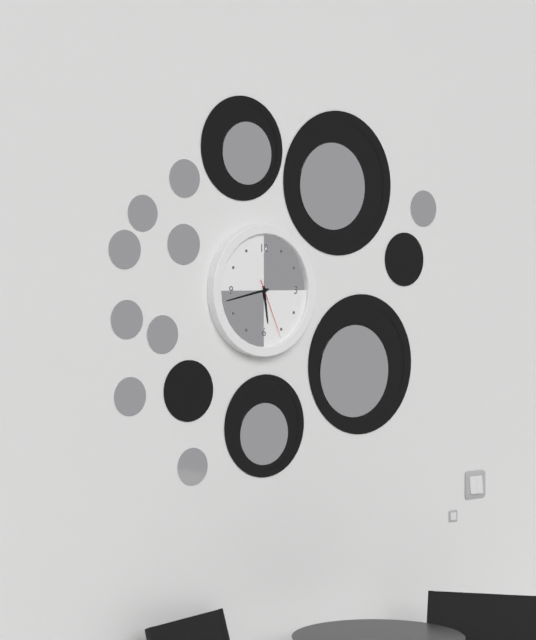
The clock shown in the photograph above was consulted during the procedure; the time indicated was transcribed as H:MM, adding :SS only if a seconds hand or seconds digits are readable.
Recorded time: 5:43:26
